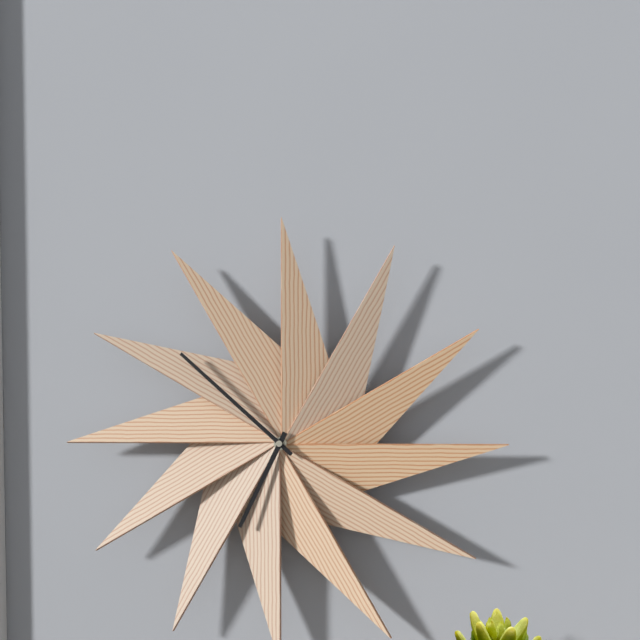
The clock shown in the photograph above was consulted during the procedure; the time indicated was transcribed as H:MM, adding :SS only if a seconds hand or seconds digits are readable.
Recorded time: 6:52
